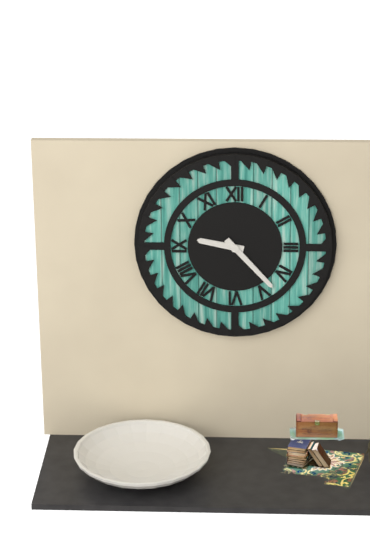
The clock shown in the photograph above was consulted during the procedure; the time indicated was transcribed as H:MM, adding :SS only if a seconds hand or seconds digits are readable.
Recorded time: 9:23
